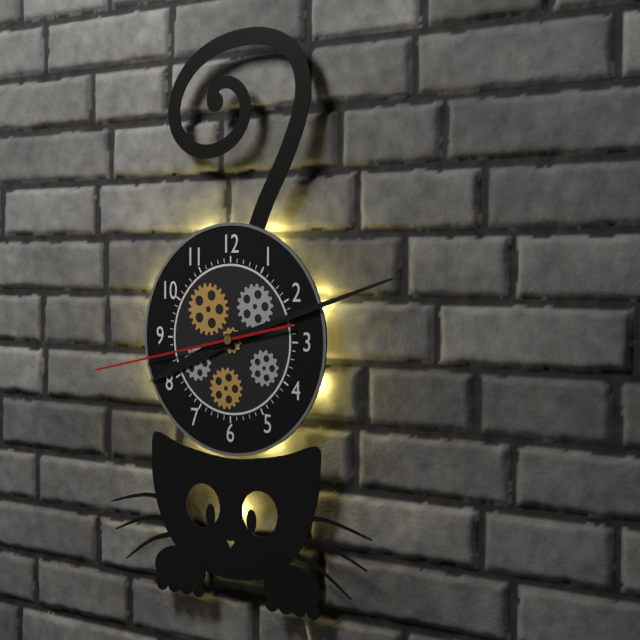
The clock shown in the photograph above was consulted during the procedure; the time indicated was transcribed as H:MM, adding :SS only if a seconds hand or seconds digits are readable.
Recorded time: 8:12:43
